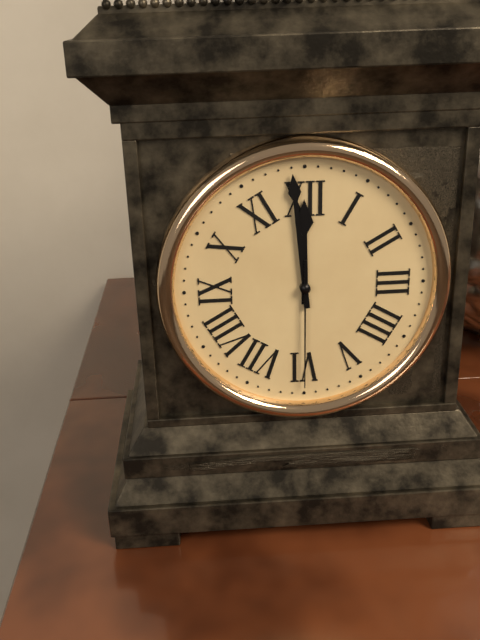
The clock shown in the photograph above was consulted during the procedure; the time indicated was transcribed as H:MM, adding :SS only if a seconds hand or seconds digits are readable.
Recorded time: 11:59:30
